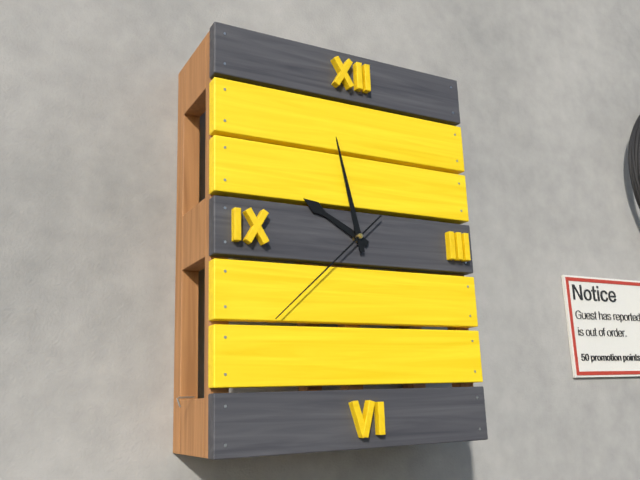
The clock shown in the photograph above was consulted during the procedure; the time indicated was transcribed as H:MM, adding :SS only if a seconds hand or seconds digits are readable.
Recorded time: 9:58:38
